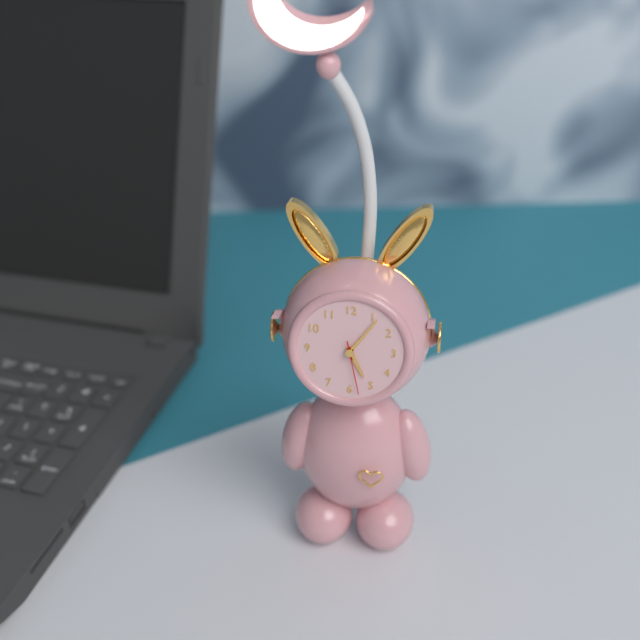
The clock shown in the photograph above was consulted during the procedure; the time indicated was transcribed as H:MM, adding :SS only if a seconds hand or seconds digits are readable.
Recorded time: 5:06:28
